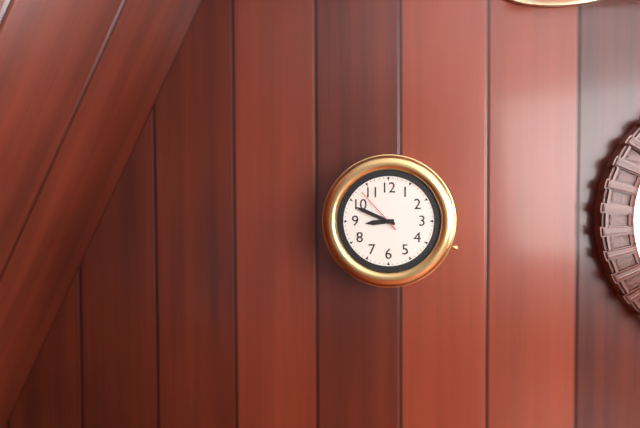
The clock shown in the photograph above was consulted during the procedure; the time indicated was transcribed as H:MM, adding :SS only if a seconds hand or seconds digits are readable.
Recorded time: 8:49
